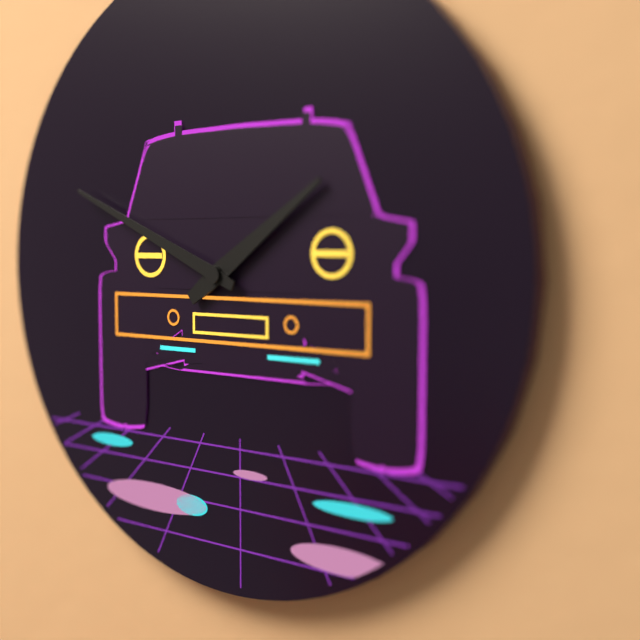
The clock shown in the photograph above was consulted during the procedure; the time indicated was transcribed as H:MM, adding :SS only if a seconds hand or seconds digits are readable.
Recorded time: 1:49
